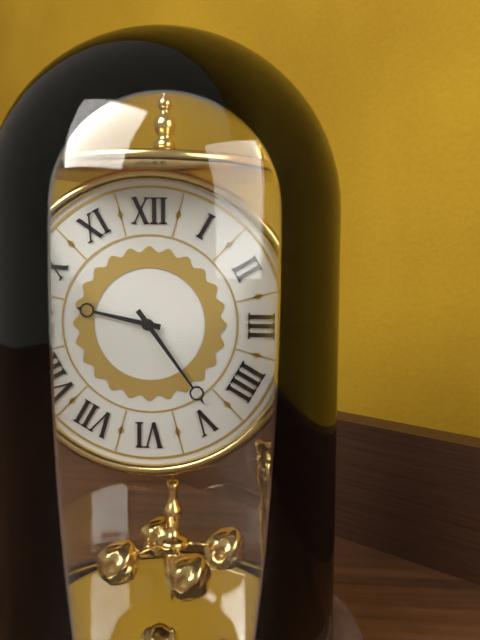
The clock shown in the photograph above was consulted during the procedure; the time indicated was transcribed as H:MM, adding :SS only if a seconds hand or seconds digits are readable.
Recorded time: 9:24
